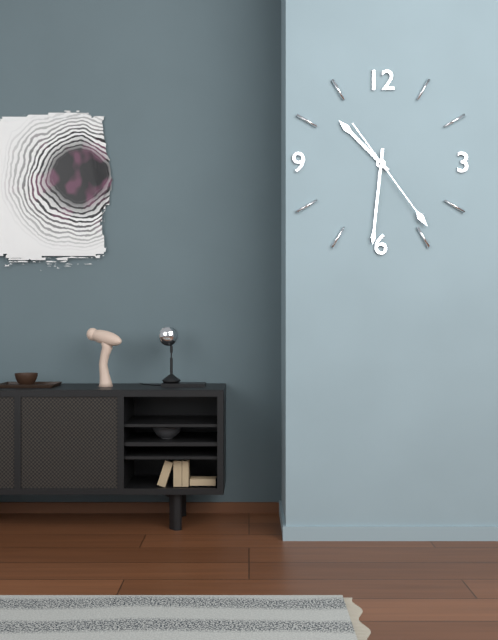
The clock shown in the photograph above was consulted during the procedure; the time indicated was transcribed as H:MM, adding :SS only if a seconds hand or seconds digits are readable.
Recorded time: 10:31:24
